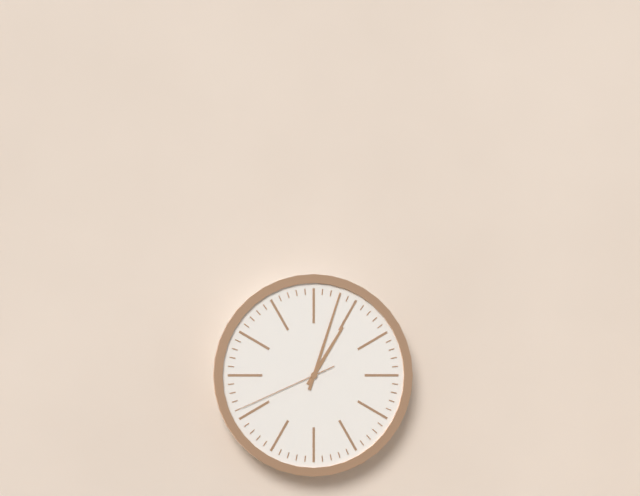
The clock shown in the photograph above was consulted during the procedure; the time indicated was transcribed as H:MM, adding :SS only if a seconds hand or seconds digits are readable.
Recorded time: 1:03:41
